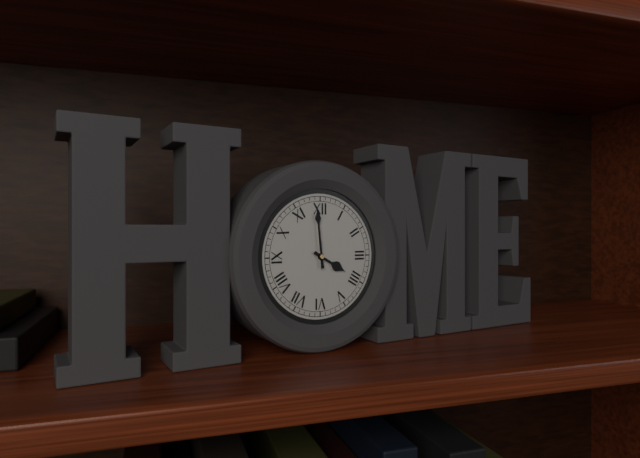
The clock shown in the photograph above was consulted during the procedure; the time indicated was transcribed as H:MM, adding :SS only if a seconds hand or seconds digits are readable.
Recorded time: 3:59
